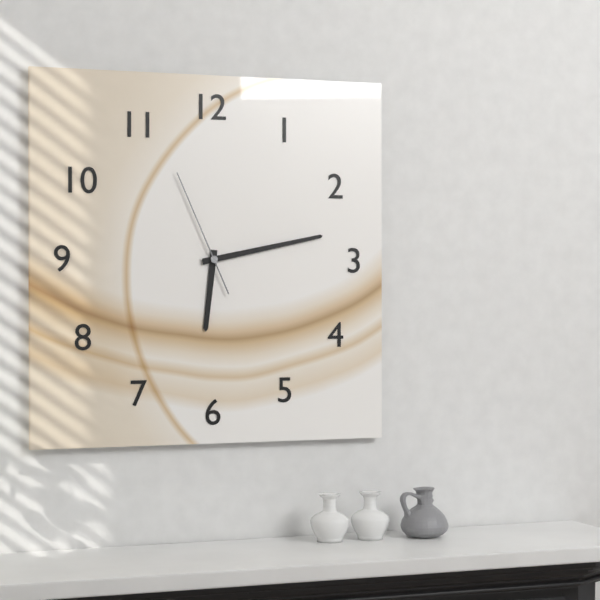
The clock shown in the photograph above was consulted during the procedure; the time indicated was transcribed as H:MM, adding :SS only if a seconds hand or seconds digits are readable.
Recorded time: 6:13:56
